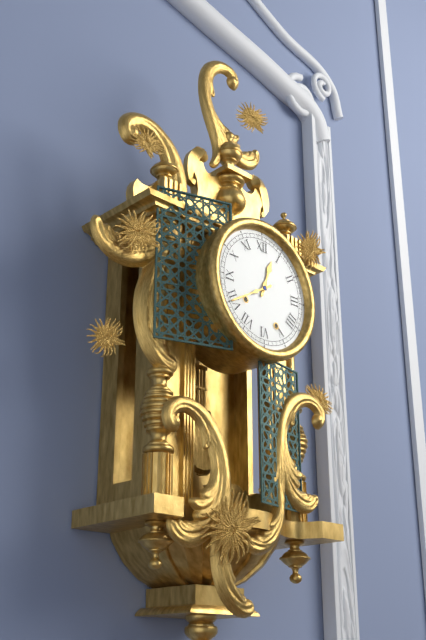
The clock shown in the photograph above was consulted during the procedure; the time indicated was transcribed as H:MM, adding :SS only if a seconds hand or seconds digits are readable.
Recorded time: 12:40
